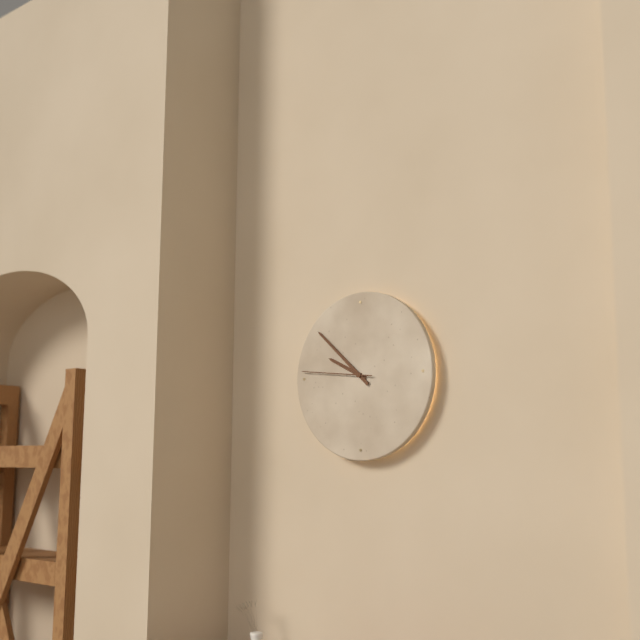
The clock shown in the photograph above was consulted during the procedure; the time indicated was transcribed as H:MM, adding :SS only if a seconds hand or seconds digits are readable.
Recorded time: 9:52:46
